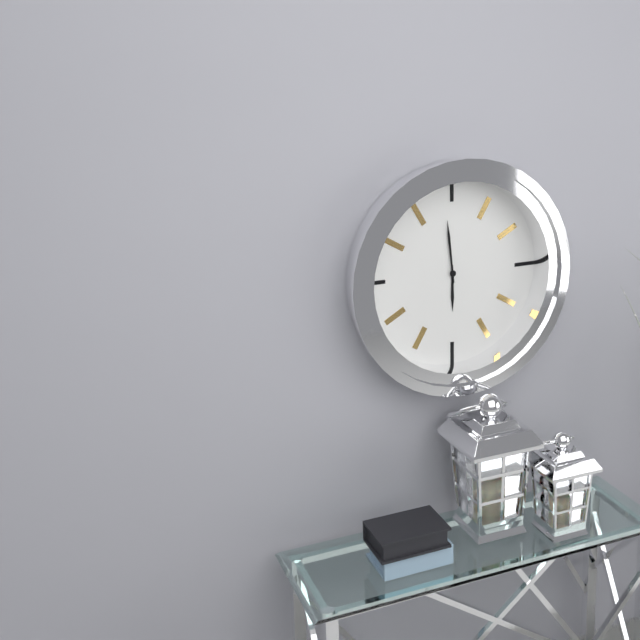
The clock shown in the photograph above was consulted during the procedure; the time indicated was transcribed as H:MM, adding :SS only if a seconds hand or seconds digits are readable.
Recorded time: 5:59
